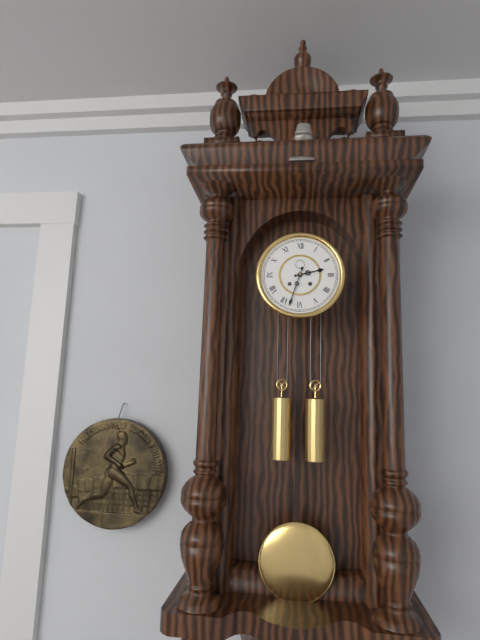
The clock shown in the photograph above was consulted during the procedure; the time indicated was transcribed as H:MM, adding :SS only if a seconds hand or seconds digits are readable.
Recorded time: 2:33
